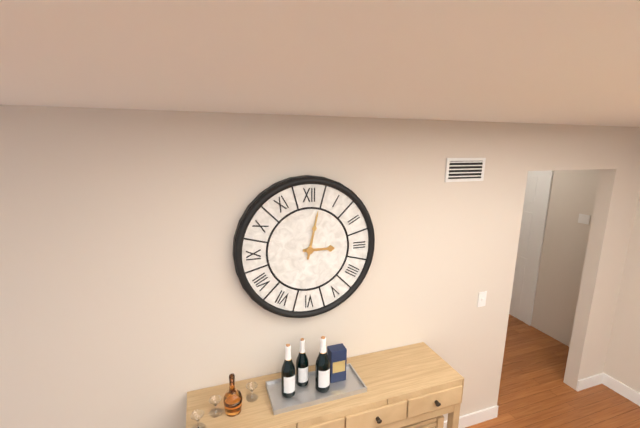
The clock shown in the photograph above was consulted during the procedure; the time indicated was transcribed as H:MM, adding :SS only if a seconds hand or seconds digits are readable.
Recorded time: 3:02
